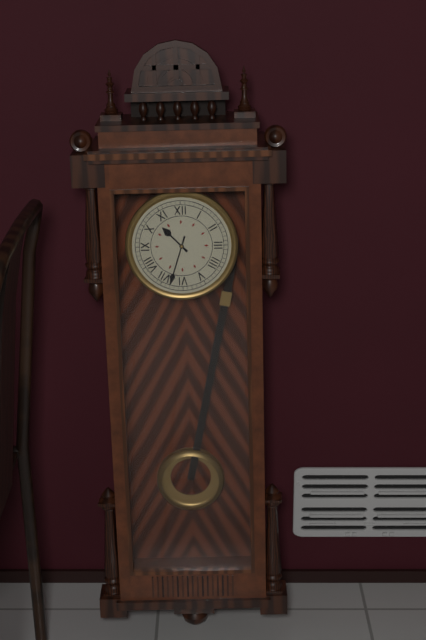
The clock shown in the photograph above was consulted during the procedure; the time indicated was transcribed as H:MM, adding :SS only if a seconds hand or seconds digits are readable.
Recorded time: 10:33
